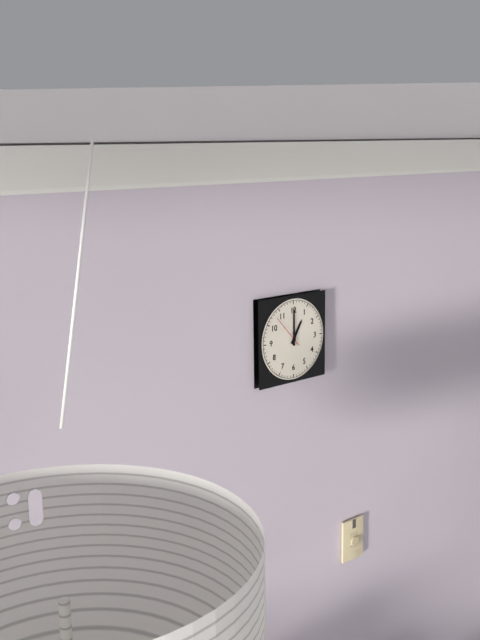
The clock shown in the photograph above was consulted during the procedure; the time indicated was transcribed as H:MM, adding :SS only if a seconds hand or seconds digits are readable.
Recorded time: 1:00
